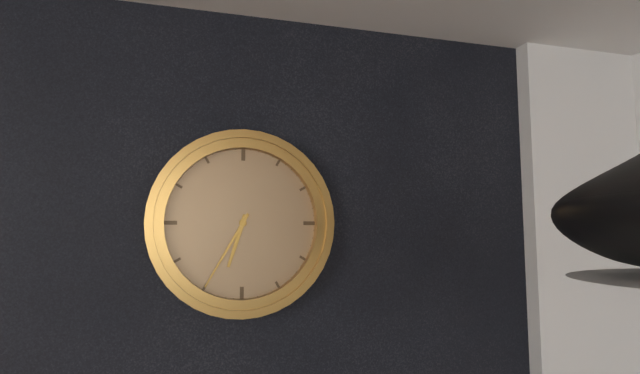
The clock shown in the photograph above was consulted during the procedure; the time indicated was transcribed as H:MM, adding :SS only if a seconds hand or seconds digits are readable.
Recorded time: 6:35
